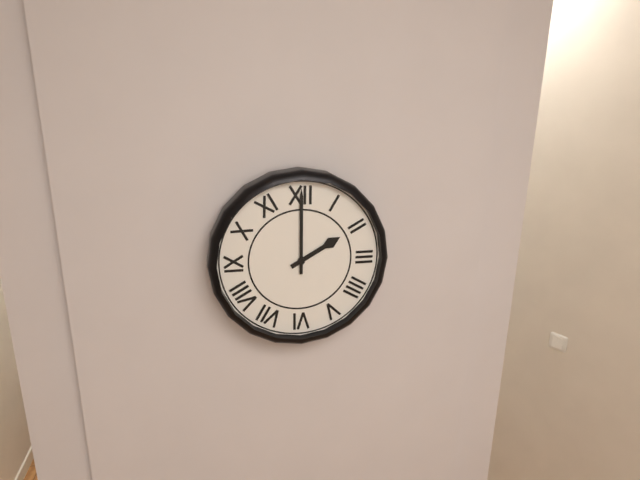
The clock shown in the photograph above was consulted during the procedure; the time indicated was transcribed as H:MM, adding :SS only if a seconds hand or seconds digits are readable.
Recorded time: 2:00
